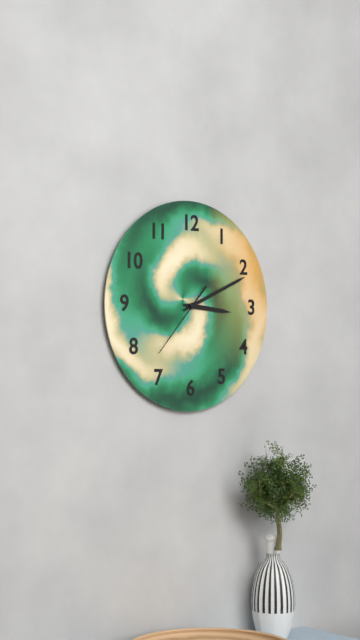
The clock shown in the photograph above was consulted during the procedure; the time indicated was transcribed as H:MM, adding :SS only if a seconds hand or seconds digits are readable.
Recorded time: 3:11:37
